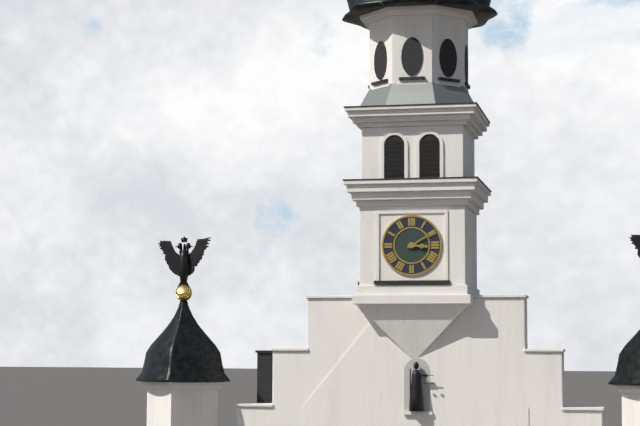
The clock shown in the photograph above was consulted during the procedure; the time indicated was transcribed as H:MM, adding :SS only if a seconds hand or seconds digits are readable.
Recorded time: 3:10
